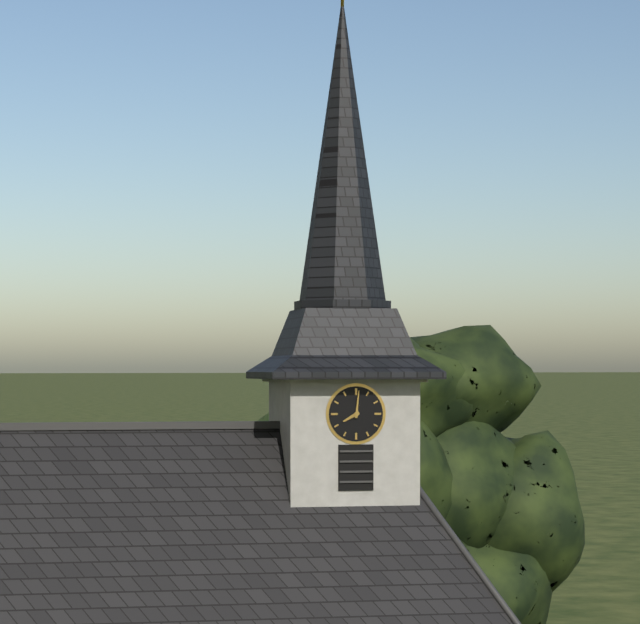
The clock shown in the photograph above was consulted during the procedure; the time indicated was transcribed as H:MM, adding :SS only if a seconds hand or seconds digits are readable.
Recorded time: 8:01
